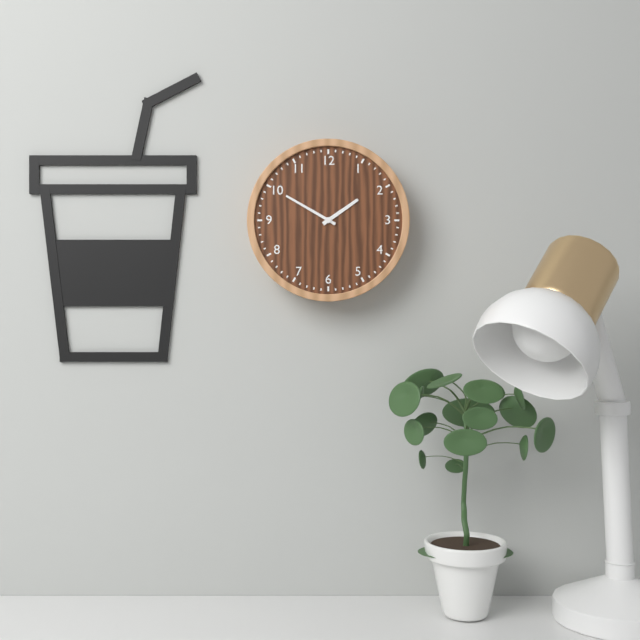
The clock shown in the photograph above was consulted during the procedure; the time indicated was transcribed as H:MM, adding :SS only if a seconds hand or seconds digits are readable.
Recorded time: 1:50
